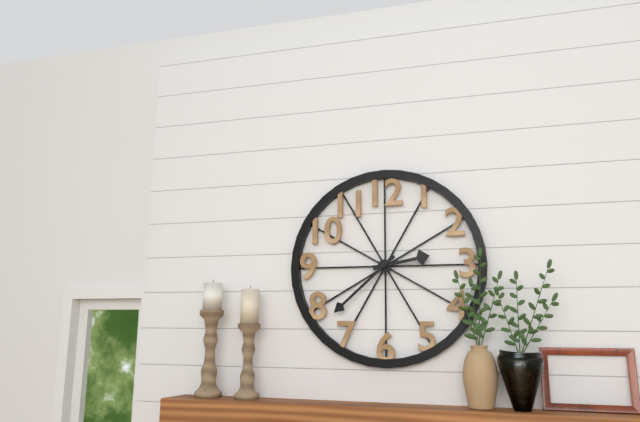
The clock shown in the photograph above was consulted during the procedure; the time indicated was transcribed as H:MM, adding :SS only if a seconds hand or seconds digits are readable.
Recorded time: 2:38
